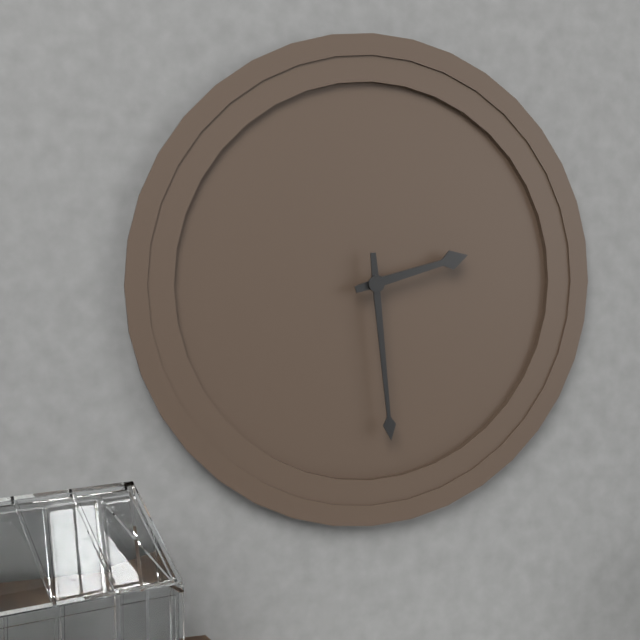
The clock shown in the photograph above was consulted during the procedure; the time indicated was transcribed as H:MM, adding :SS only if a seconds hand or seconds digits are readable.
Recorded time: 2:29
